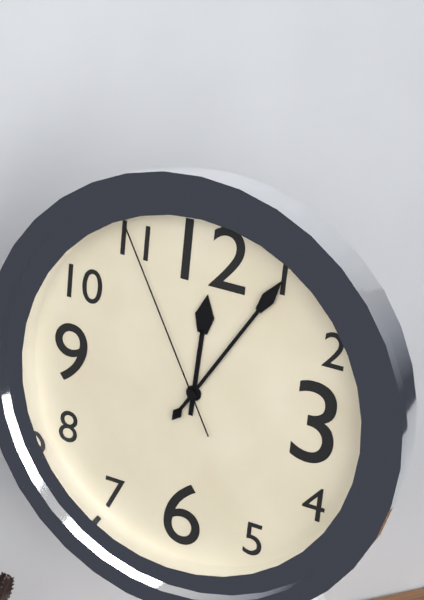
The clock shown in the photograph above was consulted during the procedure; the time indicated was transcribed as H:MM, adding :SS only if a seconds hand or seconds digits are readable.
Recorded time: 12:05:55
